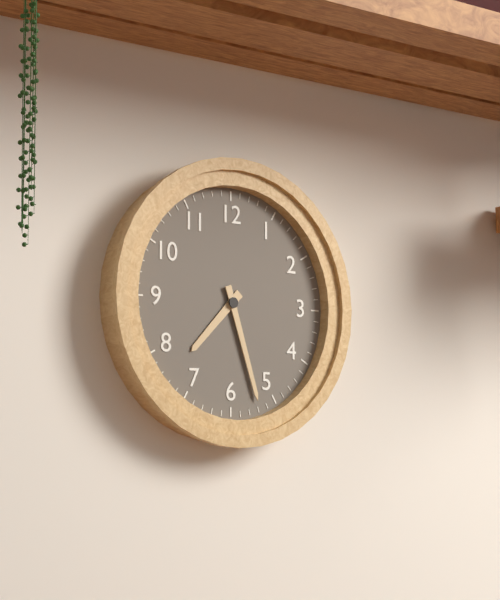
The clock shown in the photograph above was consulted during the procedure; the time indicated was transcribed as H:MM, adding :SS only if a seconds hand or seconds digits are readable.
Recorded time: 7:27
